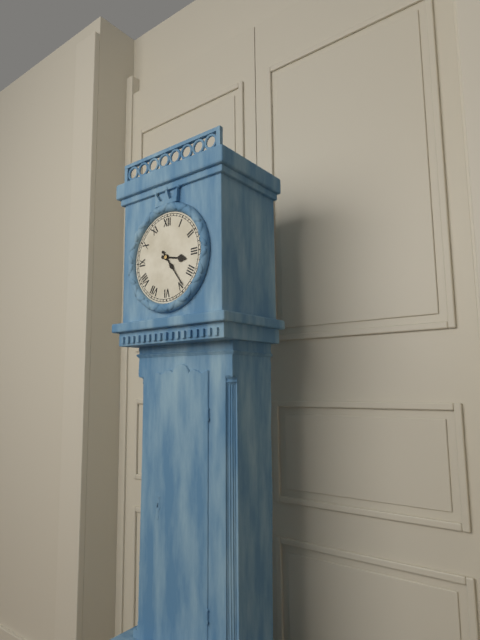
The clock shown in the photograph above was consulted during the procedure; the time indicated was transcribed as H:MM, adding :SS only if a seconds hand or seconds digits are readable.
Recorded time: 3:24
